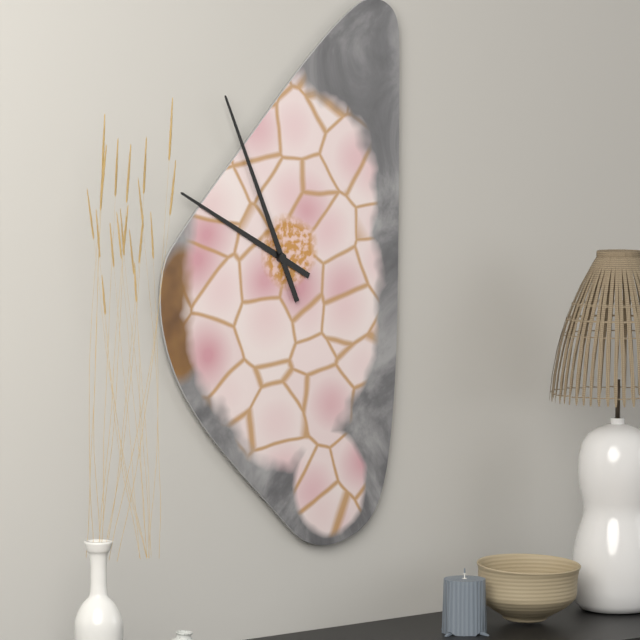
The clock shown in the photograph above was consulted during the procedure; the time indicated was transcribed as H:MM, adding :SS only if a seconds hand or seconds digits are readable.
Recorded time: 9:56
